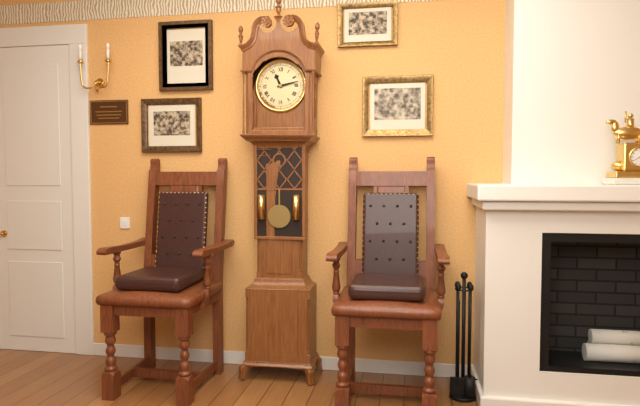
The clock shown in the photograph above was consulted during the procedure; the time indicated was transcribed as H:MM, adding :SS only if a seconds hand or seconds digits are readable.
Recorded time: 11:13
